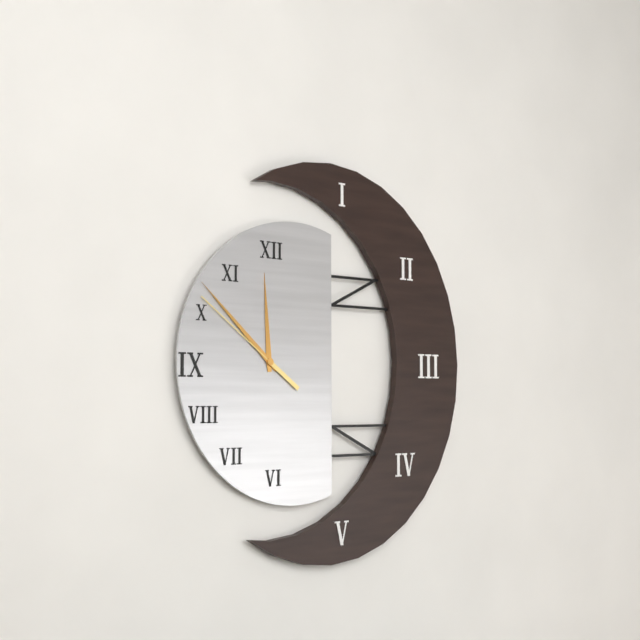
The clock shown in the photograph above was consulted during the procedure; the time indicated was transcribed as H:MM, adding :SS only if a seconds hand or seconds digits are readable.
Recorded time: 11:52:51
